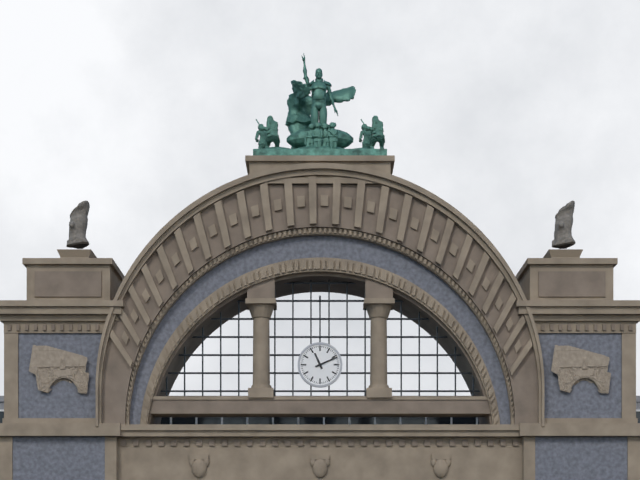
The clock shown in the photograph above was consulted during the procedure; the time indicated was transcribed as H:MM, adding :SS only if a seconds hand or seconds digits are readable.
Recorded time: 11:11
